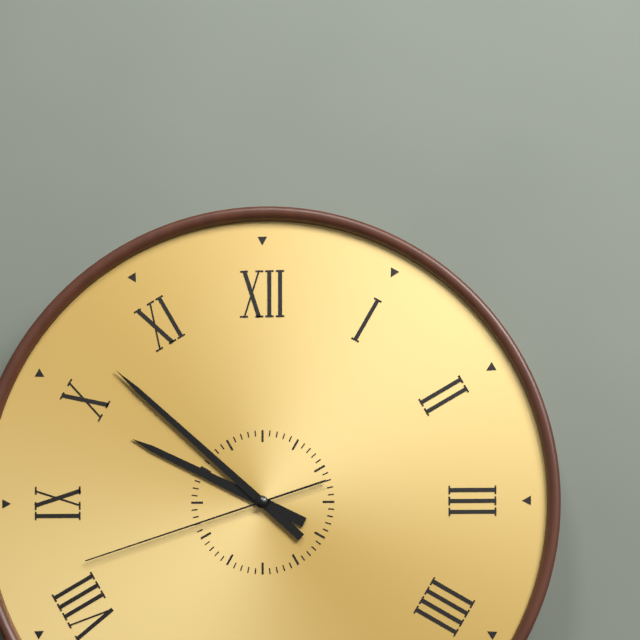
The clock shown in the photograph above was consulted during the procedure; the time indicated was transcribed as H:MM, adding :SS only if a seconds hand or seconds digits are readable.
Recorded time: 9:52:42
